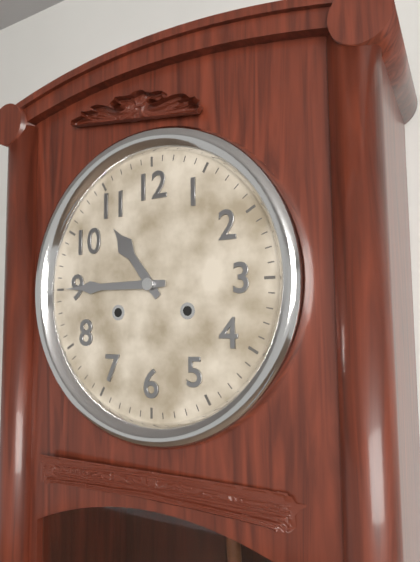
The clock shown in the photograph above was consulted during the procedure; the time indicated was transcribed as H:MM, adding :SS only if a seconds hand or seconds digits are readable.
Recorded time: 10:45
